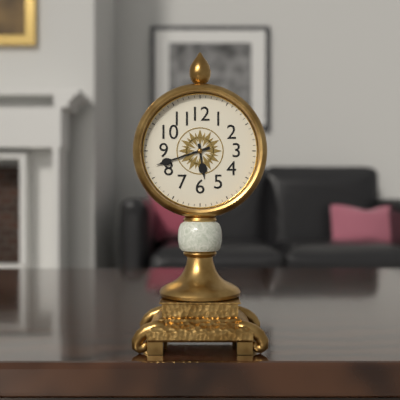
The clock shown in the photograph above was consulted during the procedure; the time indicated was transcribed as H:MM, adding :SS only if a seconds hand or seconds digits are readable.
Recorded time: 5:42
